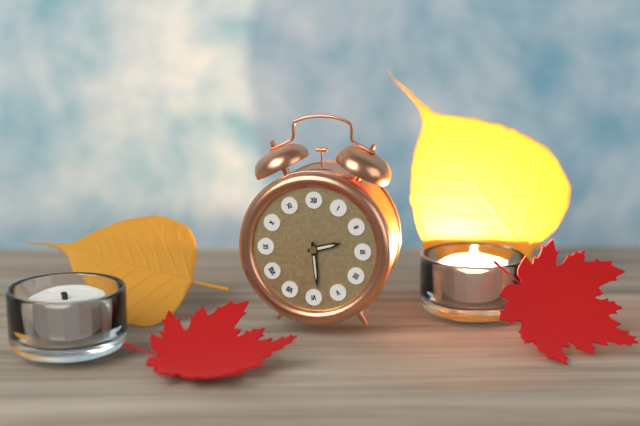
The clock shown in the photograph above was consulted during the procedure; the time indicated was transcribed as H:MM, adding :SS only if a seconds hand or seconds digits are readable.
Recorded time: 2:29
